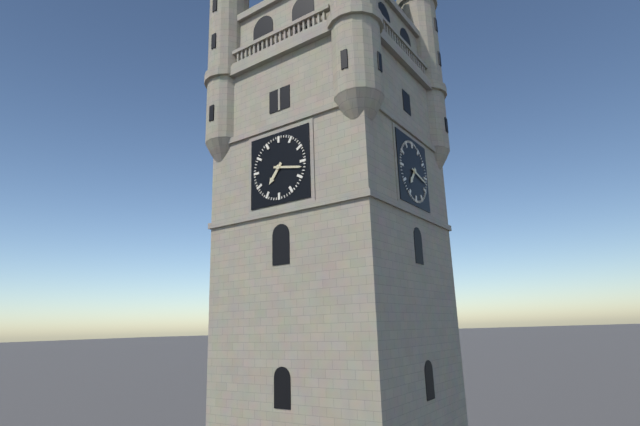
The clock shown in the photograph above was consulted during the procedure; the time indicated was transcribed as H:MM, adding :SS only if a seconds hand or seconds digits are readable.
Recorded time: 7:17
